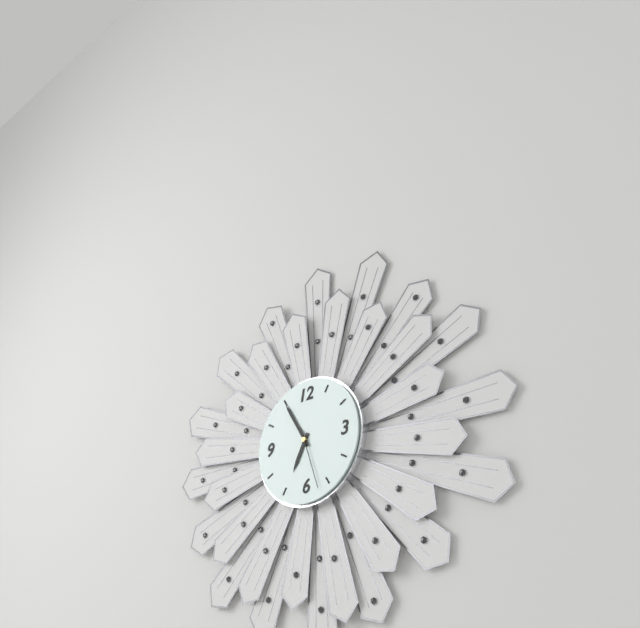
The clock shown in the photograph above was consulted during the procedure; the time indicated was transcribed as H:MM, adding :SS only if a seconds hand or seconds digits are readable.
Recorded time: 6:55:27
